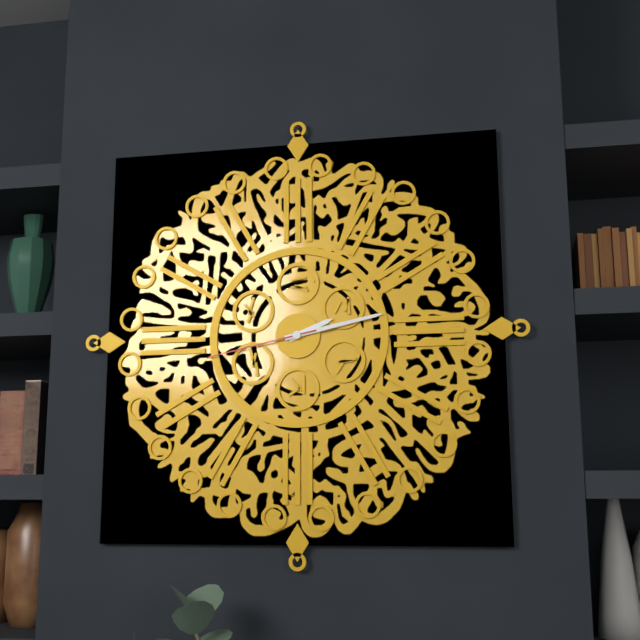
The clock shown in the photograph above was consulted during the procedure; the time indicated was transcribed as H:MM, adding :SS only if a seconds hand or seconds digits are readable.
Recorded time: 2:13:43
